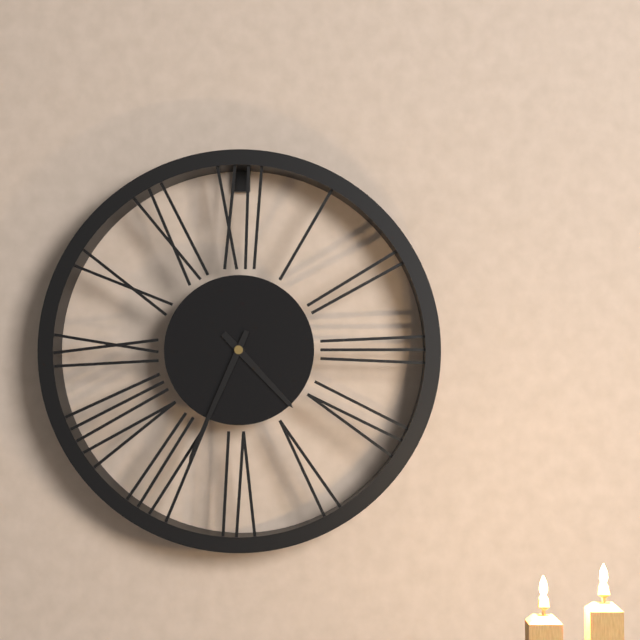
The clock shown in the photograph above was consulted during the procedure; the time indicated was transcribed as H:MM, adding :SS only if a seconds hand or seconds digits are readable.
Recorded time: 4:34
